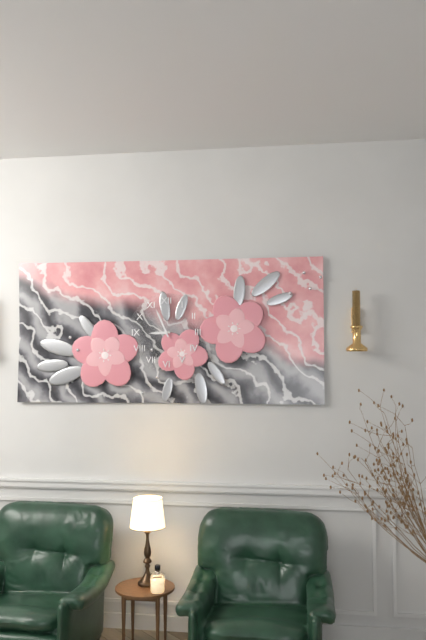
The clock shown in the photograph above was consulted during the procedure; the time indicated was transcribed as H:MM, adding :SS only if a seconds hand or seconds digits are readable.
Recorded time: 8:56
